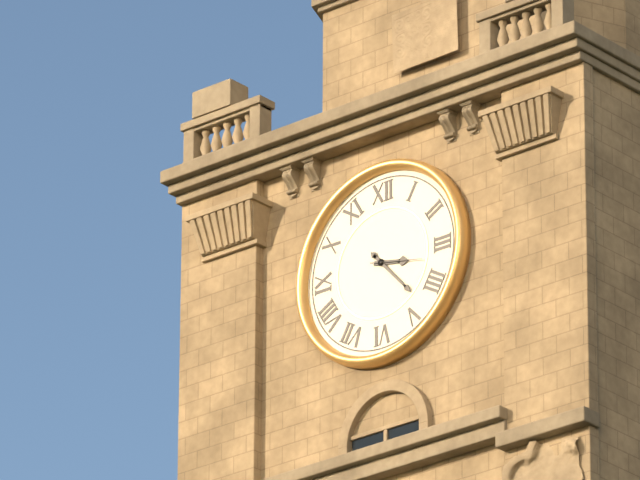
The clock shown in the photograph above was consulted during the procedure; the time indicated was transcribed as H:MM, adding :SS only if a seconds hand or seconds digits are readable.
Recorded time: 3:23
